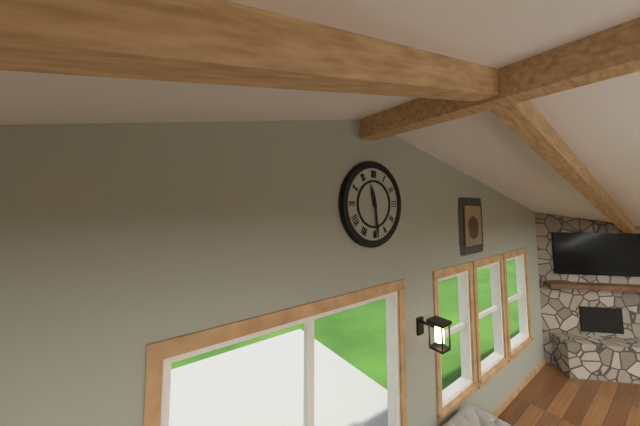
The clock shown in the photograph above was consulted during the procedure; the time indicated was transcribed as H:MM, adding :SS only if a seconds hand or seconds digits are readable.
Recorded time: 11:29
